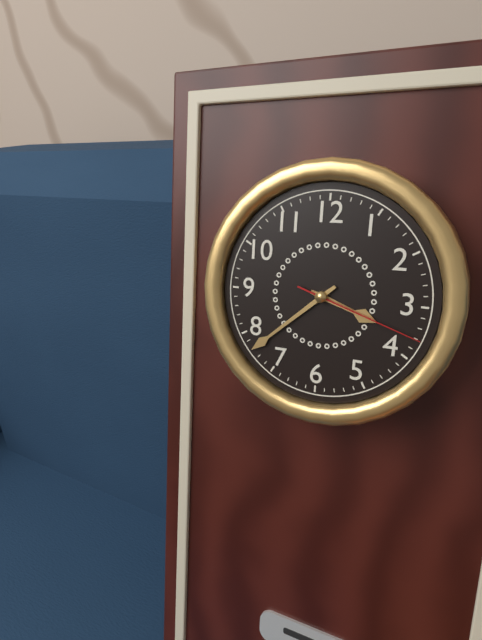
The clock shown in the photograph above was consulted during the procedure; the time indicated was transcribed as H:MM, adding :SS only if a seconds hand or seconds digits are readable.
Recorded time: 3:38:18
